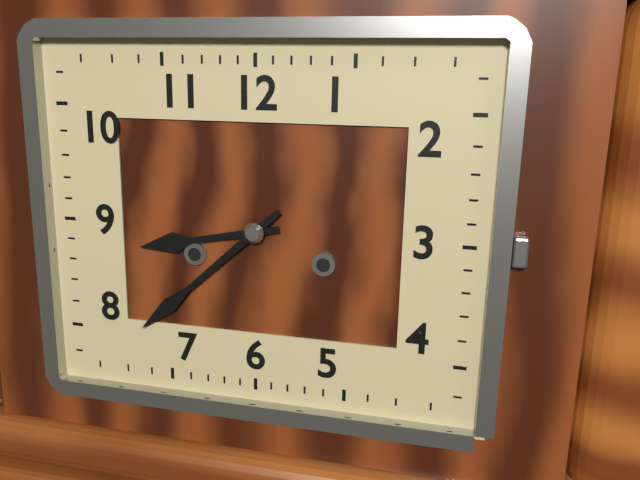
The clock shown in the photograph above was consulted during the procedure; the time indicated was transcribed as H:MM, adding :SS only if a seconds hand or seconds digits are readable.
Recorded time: 8:38
